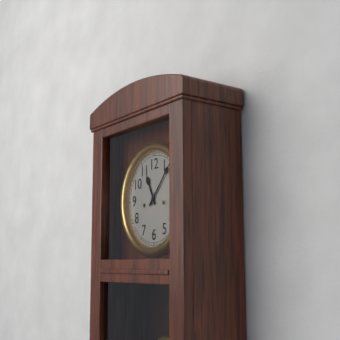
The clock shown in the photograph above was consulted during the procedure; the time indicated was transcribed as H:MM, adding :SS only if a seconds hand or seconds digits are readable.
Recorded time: 11:07
